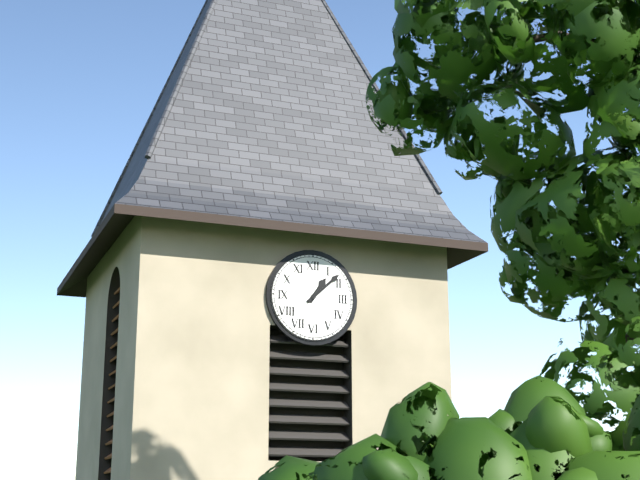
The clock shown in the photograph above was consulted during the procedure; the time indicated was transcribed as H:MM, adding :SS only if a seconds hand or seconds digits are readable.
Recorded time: 1:08
